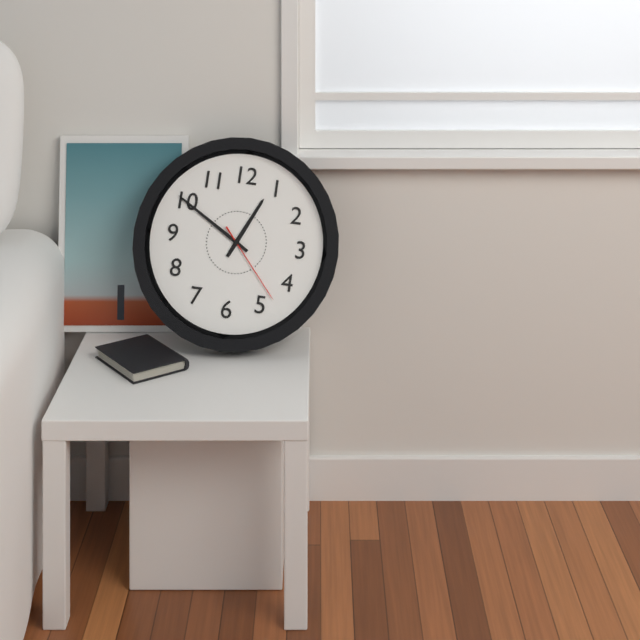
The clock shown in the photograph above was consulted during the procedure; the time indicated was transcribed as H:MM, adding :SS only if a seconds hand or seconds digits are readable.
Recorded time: 12:50:23
